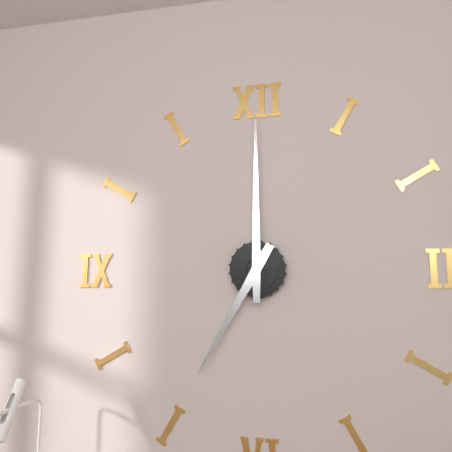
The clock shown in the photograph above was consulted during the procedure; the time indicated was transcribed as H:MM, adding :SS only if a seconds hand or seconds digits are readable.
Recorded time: 7:00
